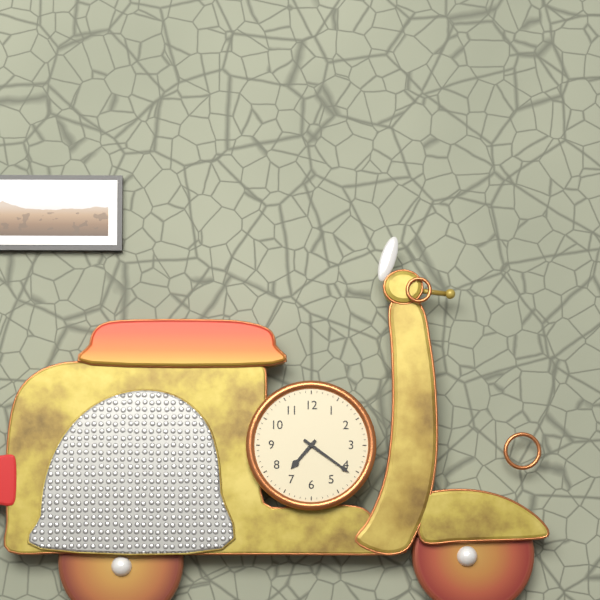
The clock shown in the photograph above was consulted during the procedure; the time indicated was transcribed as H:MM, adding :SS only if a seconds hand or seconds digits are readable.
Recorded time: 7:21
